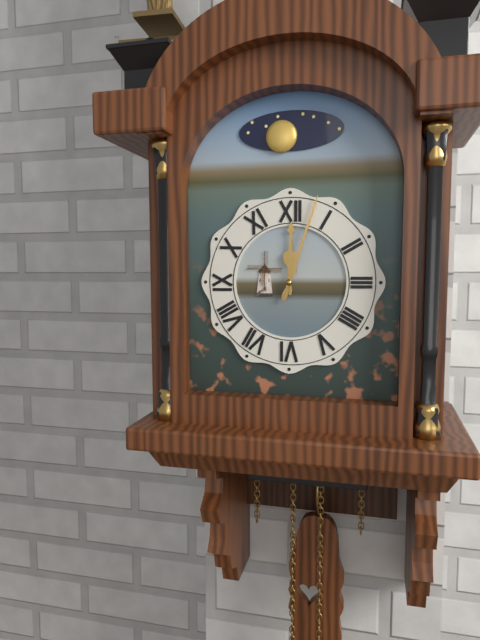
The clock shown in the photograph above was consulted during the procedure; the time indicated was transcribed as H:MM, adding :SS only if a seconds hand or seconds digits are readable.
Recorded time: 12:03
